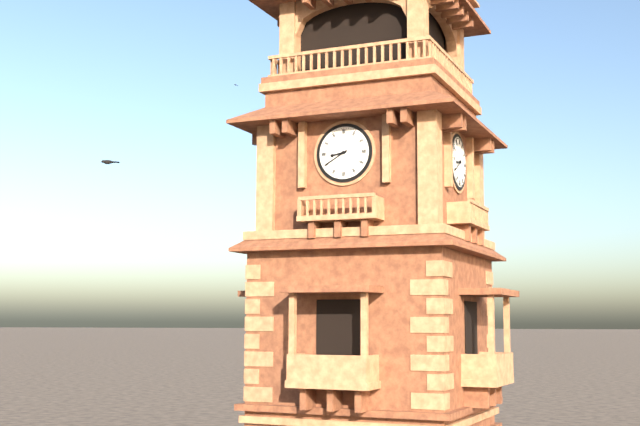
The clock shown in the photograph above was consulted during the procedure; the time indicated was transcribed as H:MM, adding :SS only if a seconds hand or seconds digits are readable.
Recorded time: 8:40
